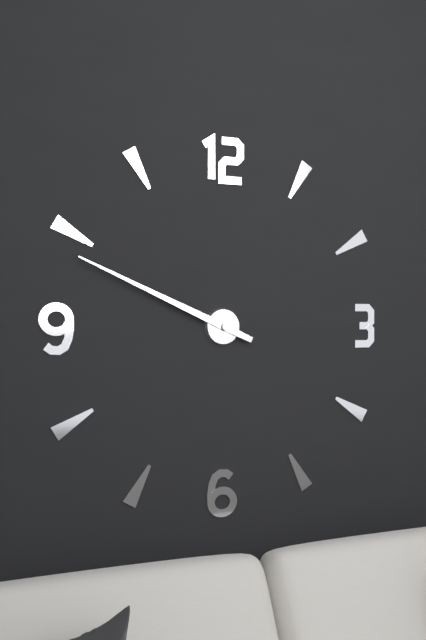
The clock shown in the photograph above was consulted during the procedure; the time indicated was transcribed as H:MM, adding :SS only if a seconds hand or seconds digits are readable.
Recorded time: 9:49
